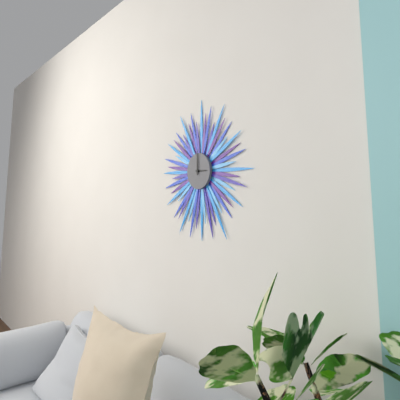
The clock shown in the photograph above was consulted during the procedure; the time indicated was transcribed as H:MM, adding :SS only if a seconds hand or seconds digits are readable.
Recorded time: 3:00
